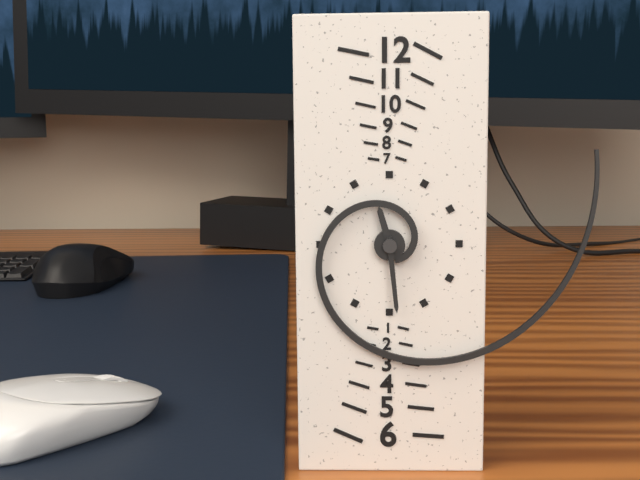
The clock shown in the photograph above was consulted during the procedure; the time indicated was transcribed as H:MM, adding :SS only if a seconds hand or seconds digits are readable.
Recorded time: 11:29
